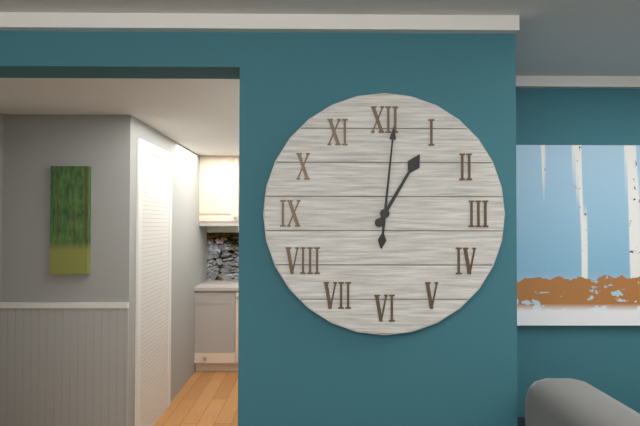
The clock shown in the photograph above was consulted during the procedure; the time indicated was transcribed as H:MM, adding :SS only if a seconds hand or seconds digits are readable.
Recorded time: 1:01
